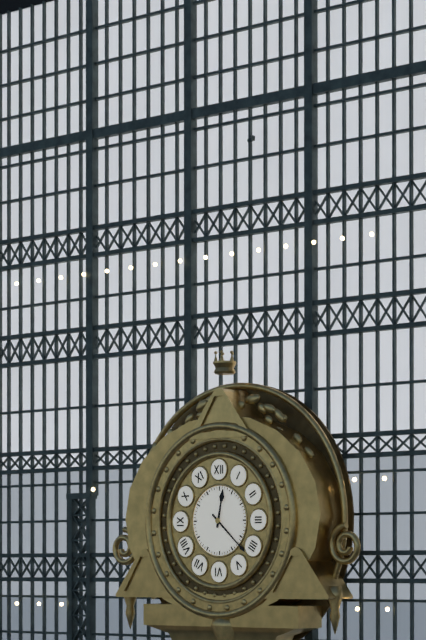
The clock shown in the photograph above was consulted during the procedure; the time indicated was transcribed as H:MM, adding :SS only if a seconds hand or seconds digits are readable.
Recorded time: 12:22
